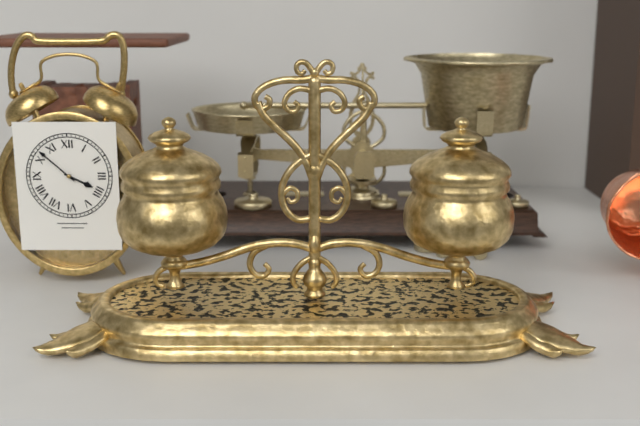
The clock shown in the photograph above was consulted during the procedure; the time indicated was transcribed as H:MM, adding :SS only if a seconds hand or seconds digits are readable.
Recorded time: 3:52
